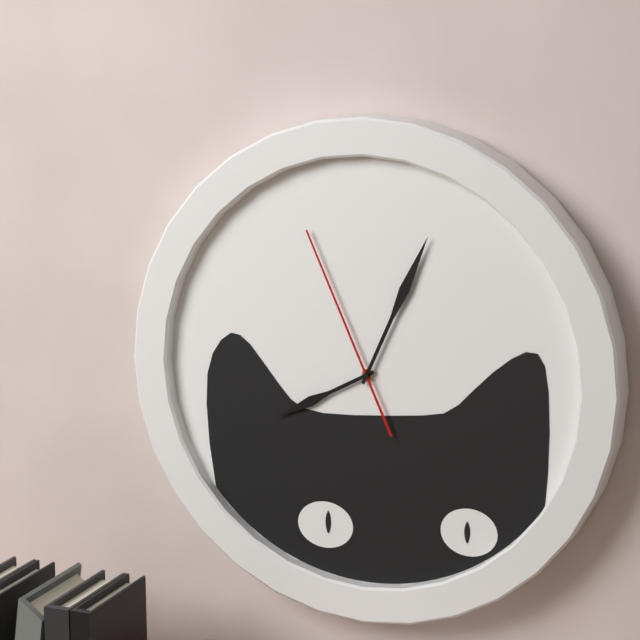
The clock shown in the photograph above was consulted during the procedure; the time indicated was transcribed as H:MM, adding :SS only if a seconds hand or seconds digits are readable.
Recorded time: 8:04:56
